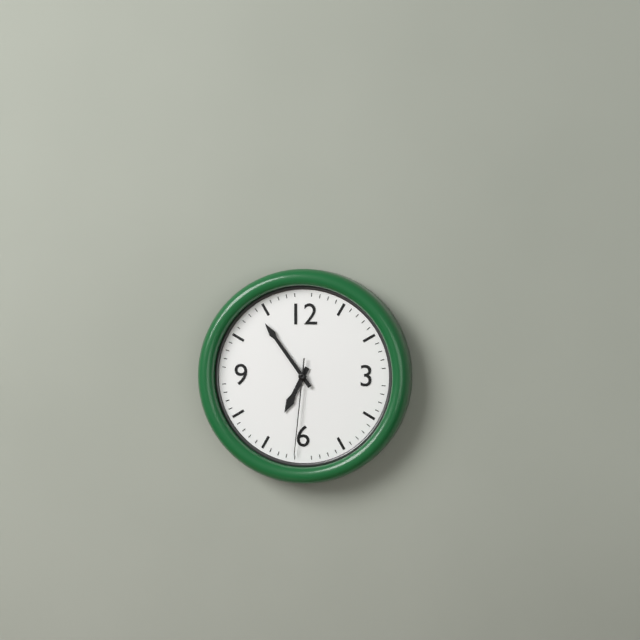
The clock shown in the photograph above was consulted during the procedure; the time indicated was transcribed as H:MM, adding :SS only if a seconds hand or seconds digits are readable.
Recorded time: 6:54:31
